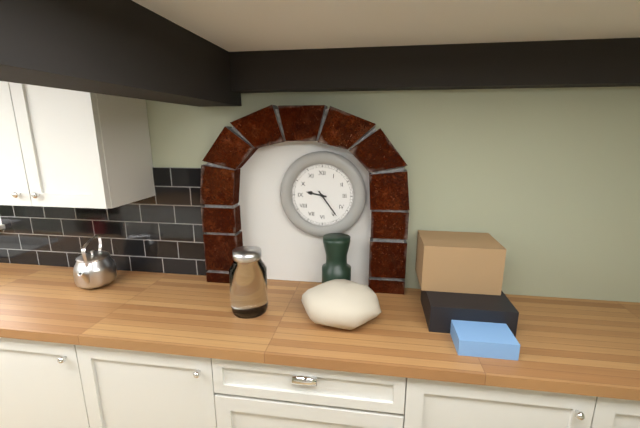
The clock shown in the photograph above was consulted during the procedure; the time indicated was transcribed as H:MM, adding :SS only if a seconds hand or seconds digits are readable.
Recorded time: 9:24
